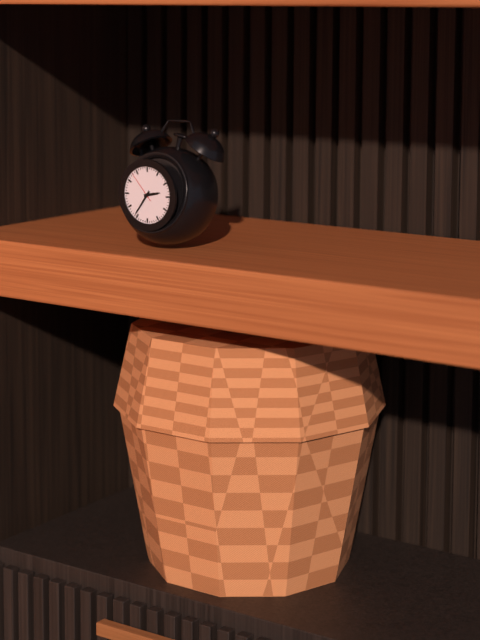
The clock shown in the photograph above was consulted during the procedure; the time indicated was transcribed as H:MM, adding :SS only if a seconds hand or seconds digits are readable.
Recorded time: 2:36:53
